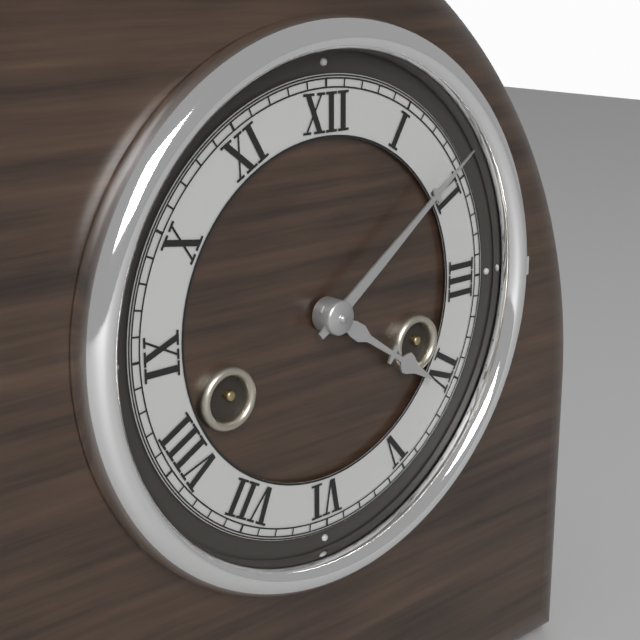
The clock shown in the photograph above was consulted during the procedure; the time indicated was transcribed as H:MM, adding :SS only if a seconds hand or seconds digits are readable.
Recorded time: 4:09
